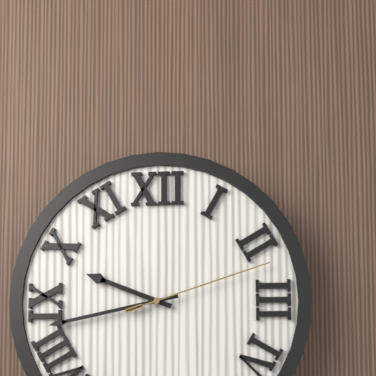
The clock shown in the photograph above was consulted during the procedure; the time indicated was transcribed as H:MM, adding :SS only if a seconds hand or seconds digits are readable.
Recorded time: 9:43:12
